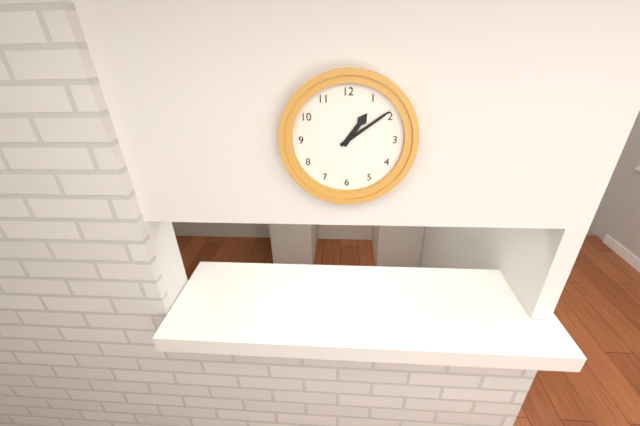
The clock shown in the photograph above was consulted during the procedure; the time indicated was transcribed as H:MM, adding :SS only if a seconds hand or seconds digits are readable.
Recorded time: 1:09
